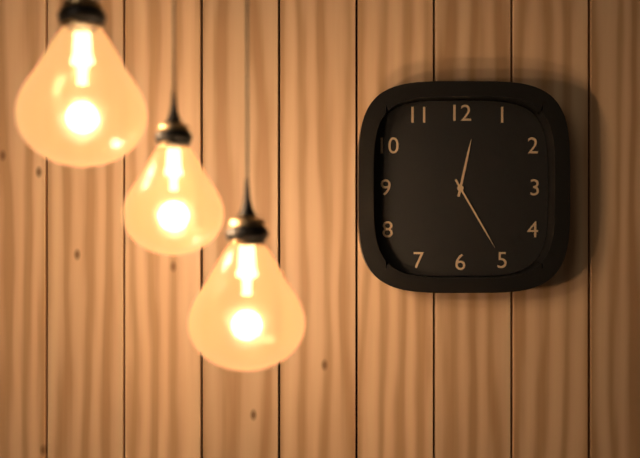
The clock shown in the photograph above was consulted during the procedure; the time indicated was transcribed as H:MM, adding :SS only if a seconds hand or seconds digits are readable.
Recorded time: 12:25
